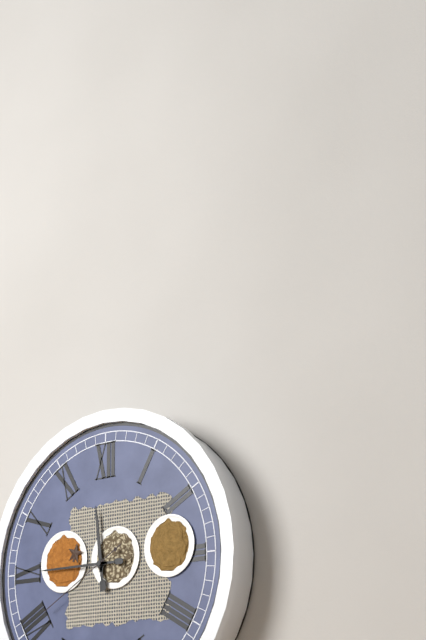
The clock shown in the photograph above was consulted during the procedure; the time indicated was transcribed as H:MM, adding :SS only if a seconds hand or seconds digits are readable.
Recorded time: 11:45:40
